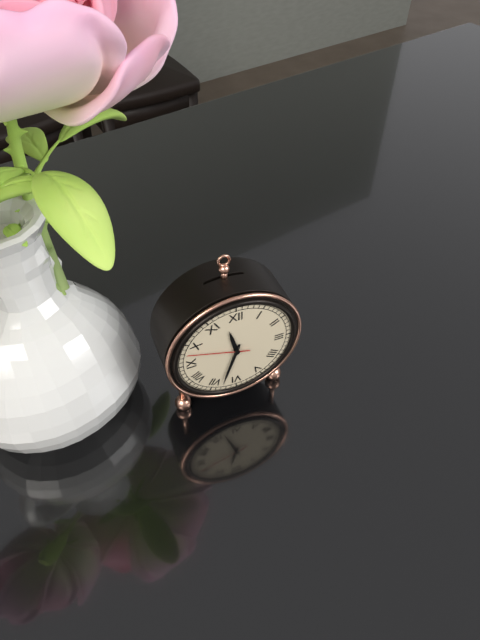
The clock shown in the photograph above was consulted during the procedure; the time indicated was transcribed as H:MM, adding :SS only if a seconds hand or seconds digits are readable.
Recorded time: 11:33:48
